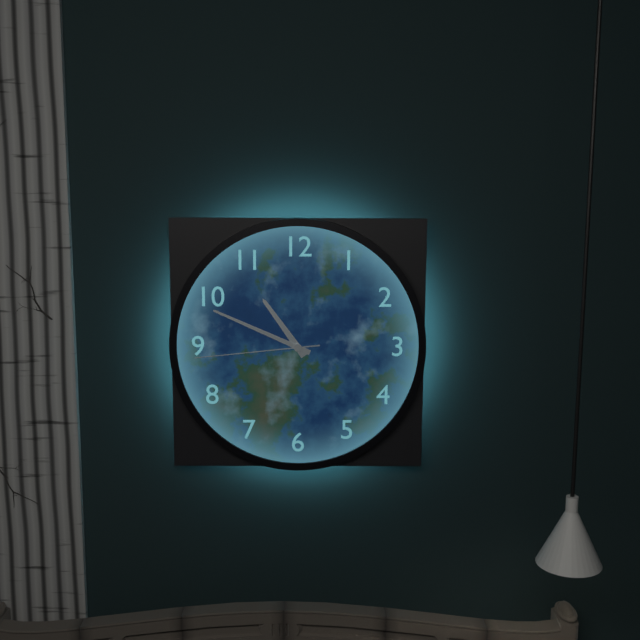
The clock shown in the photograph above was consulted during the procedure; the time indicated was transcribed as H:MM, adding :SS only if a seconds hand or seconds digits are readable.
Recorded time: 10:49:44
